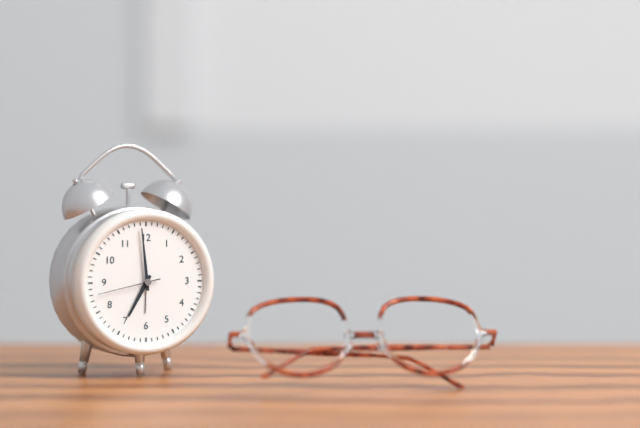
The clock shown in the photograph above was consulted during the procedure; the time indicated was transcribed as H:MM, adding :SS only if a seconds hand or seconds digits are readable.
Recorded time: 6:59:43
